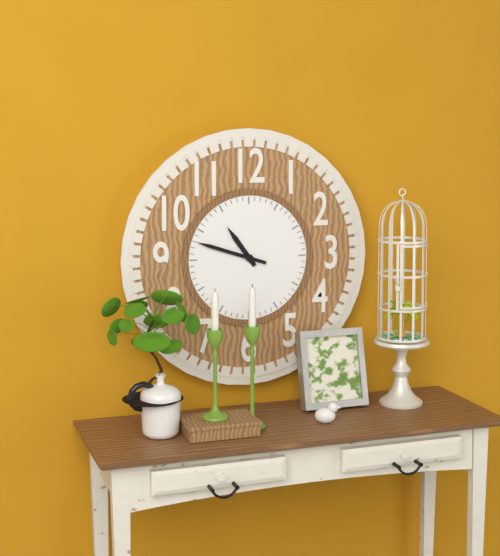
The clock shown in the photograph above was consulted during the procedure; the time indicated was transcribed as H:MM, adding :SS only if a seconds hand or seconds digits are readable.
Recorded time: 10:48
